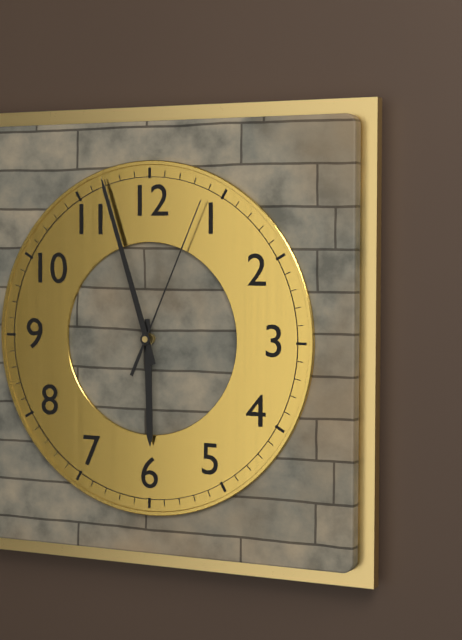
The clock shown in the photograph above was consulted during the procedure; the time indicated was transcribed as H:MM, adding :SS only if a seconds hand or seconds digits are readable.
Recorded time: 5:57:04
